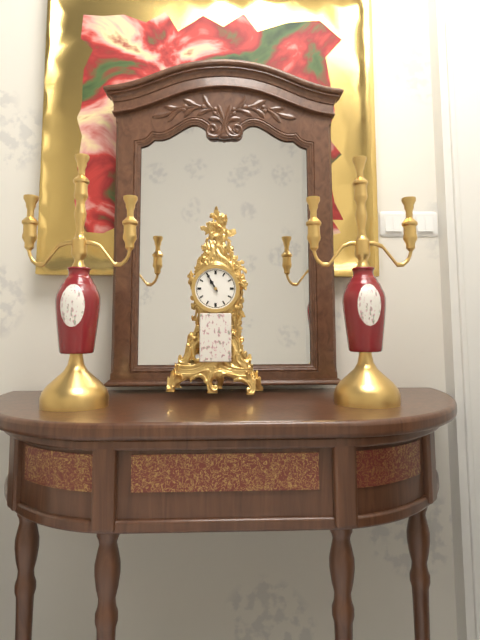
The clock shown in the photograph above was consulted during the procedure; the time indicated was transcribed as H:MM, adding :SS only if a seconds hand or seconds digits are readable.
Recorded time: 10:55
